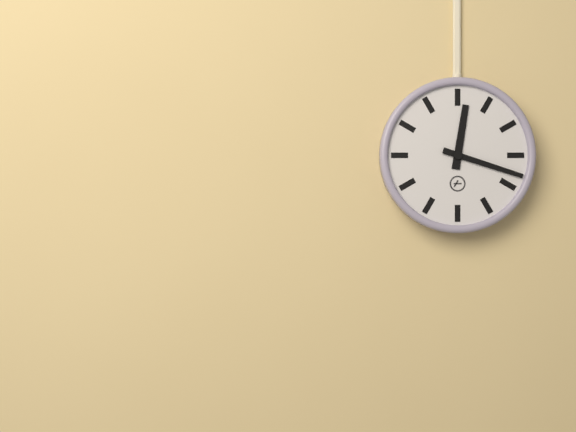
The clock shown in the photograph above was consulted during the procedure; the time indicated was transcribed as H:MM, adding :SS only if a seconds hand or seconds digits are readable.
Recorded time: 12:18
